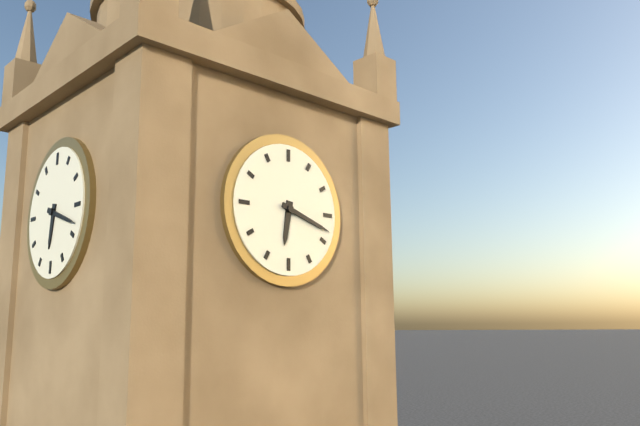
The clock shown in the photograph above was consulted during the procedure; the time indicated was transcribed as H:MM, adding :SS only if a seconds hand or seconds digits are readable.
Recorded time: 6:18
